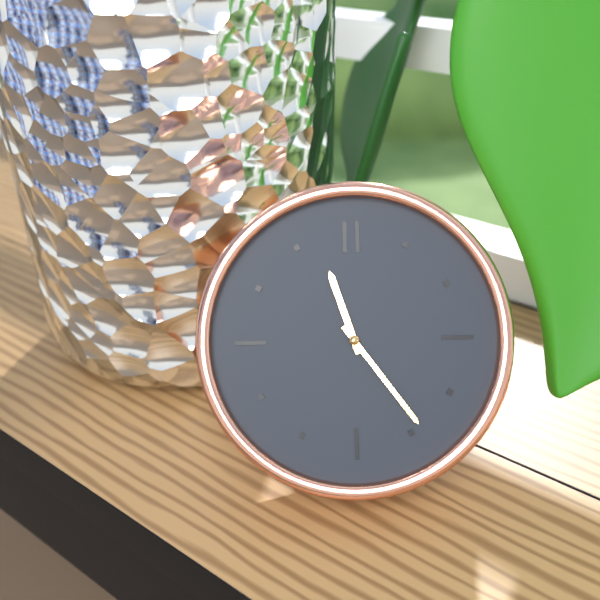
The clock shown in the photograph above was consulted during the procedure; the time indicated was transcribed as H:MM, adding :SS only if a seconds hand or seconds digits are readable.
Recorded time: 11:24
